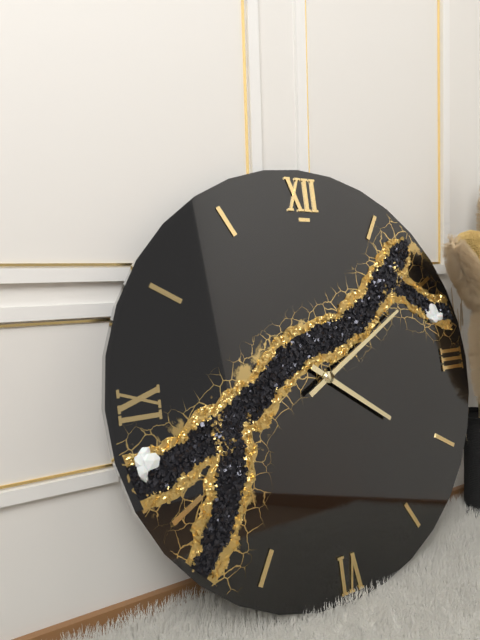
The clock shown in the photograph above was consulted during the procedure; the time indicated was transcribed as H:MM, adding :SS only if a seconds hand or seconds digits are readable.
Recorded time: 4:10
